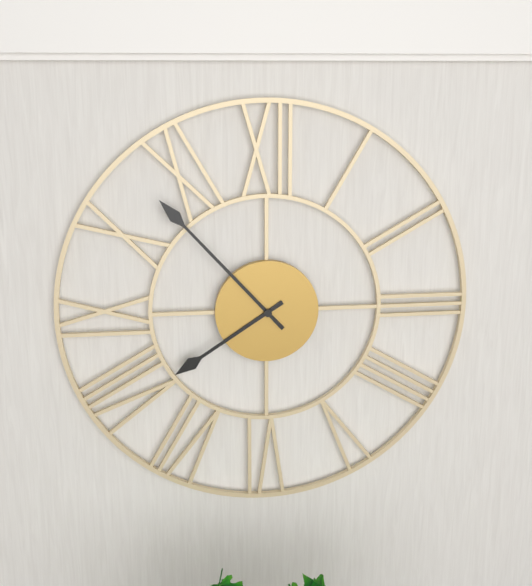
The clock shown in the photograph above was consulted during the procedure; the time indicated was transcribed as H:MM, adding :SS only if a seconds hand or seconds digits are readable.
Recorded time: 7:53
